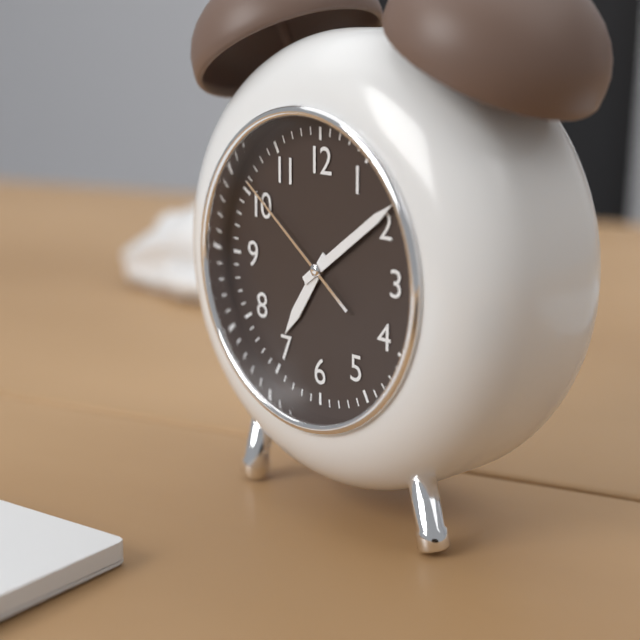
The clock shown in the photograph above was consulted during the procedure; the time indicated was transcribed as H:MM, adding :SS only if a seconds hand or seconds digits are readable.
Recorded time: 7:09:51
